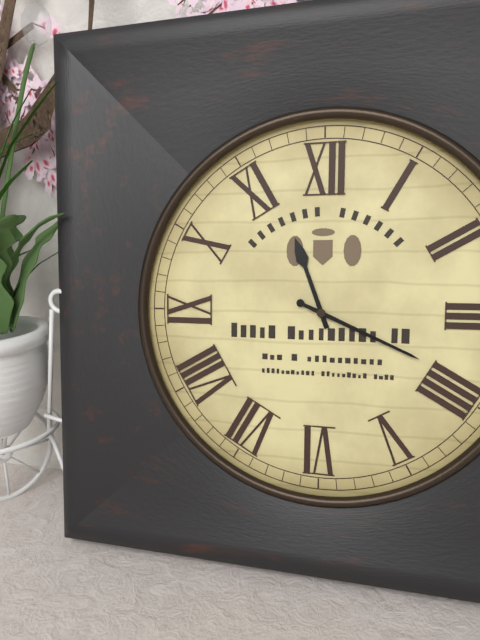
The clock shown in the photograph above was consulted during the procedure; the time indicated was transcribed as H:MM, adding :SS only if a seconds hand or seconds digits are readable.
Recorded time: 11:19
